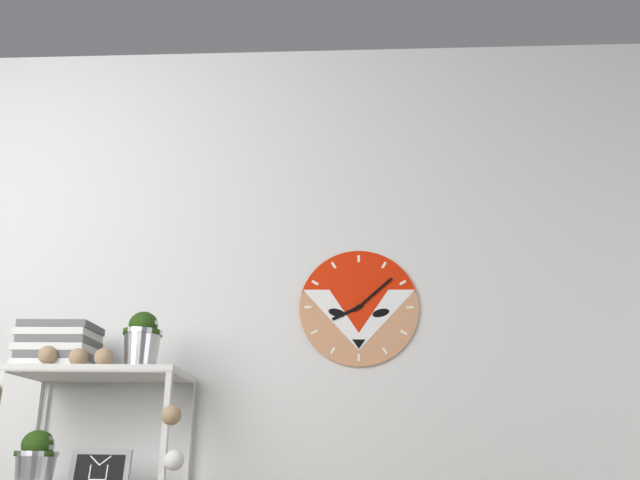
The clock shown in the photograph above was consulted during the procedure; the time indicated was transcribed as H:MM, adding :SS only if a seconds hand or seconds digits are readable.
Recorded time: 8:08
